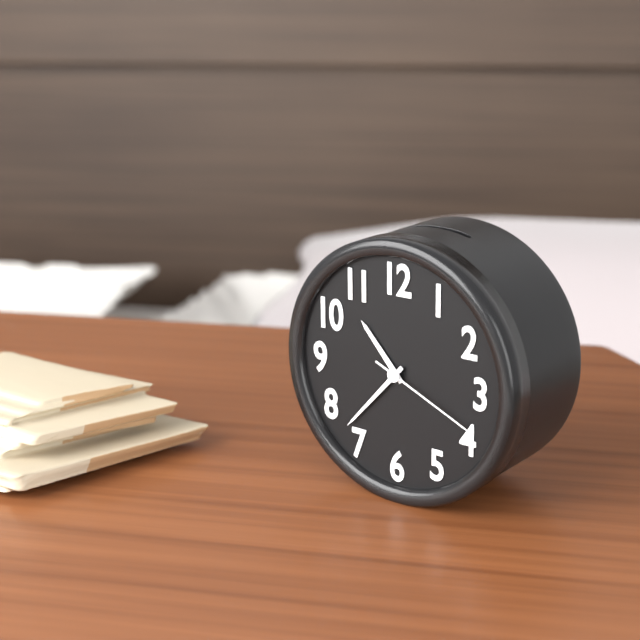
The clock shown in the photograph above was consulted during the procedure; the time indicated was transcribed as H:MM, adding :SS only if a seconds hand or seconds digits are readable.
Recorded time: 10:37:19
